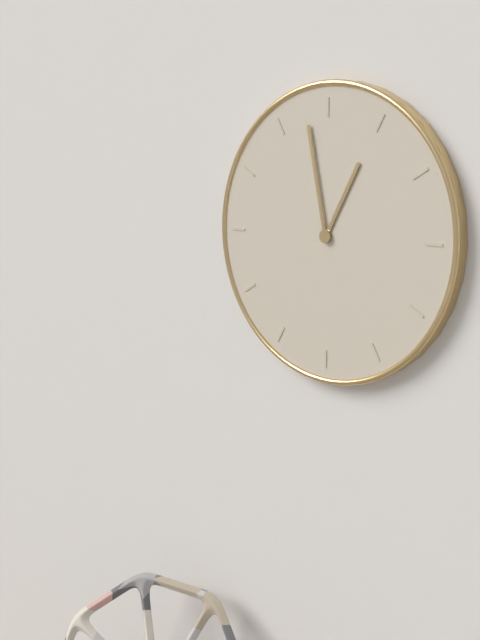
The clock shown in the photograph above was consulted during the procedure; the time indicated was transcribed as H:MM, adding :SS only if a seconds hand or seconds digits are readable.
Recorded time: 12:58
